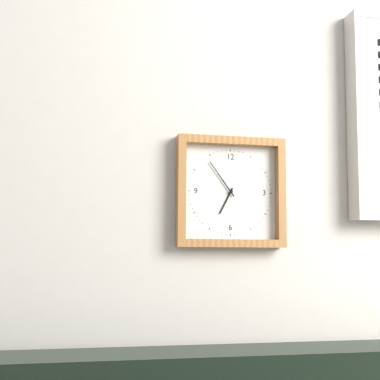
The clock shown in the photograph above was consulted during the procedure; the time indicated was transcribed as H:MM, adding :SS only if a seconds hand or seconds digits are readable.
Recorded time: 6:54
